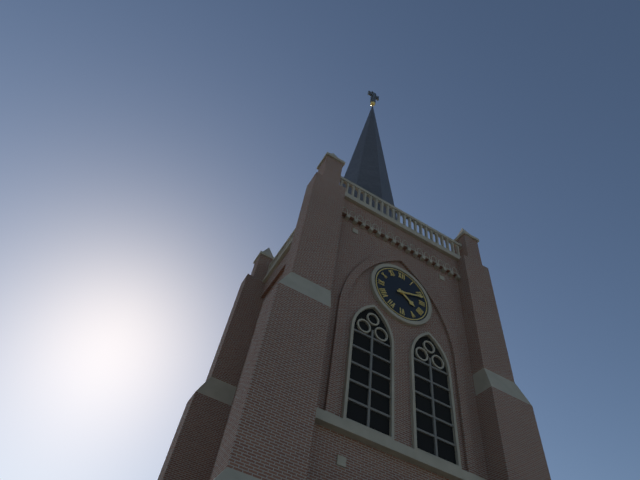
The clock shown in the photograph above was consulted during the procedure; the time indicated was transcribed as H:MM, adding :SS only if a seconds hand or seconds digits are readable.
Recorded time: 4:12
